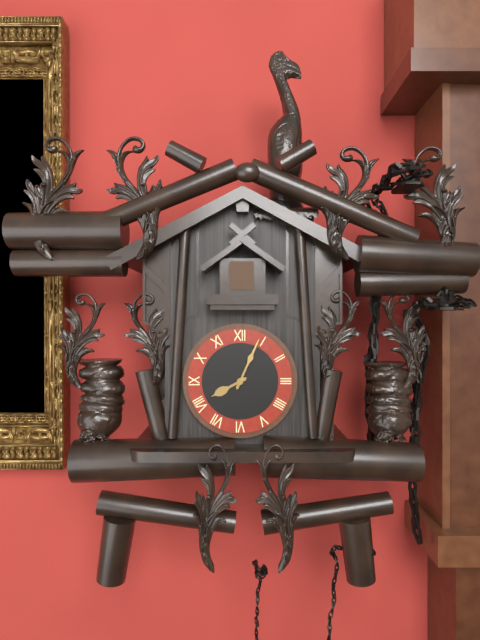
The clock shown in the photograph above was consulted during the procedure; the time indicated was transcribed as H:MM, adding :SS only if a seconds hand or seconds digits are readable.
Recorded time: 8:04
